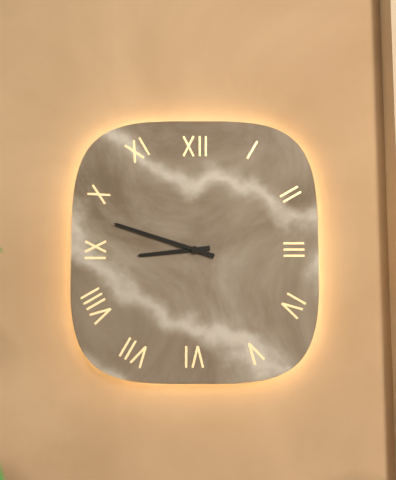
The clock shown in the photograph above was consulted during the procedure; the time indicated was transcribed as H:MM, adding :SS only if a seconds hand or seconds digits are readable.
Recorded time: 8:48
